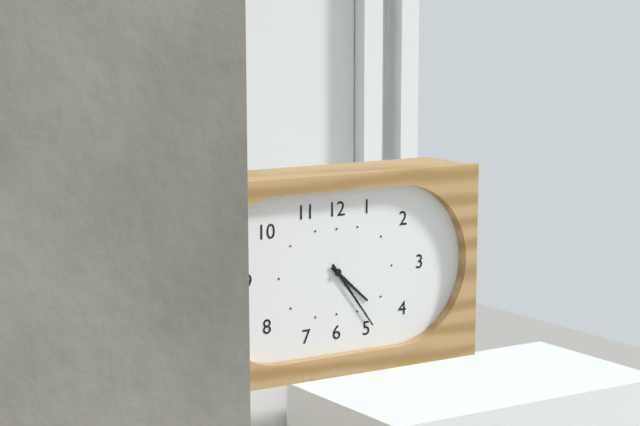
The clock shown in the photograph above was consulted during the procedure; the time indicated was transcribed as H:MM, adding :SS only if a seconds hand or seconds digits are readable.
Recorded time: 4:24
